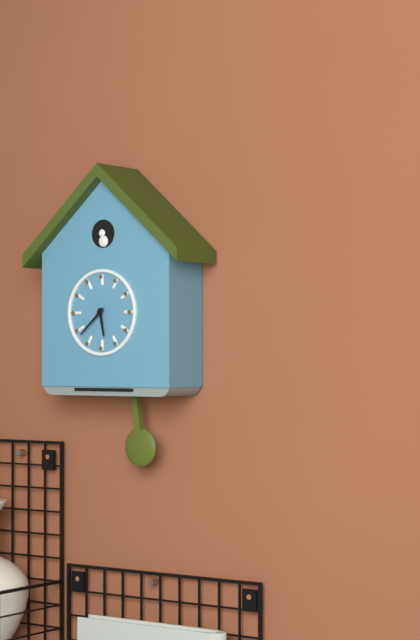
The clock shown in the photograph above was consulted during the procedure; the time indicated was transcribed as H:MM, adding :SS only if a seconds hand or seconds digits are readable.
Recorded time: 5:38
